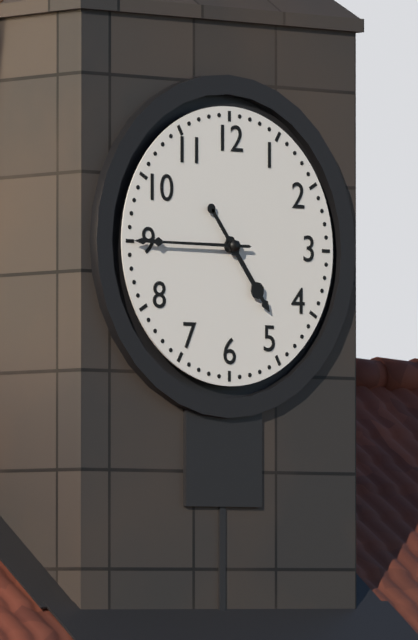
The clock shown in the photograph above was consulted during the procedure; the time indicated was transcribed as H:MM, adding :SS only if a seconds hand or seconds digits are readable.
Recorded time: 4:45
